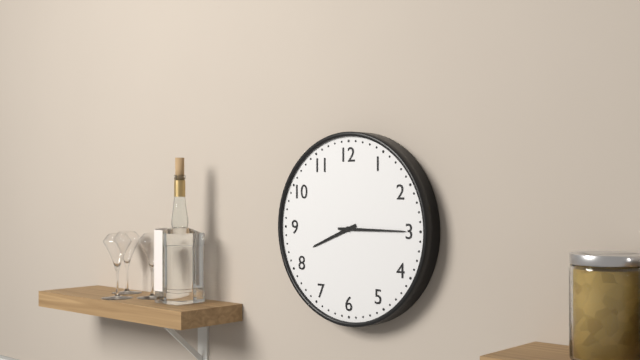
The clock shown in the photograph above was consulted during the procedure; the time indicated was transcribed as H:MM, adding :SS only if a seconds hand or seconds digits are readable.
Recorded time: 8:15
